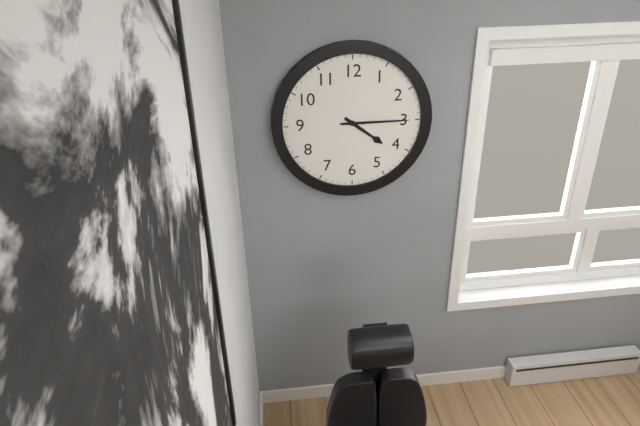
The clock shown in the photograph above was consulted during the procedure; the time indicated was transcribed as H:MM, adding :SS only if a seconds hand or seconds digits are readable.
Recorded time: 4:15
